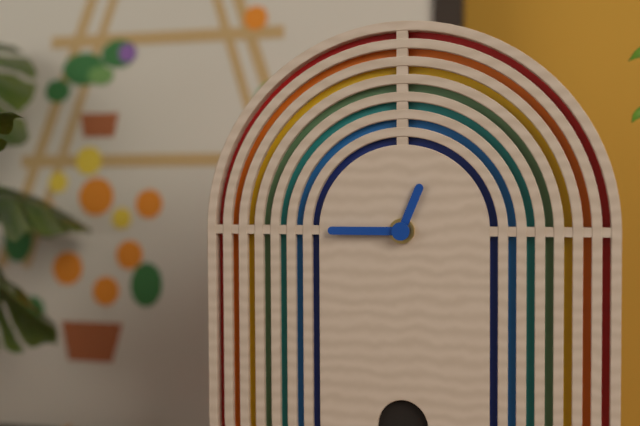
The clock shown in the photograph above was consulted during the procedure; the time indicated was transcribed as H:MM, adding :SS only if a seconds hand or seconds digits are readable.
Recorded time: 12:45
